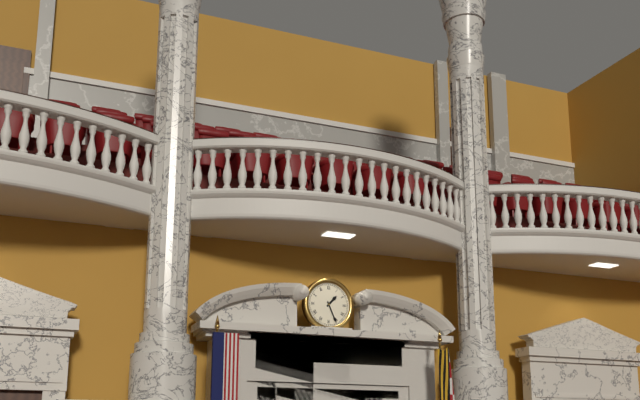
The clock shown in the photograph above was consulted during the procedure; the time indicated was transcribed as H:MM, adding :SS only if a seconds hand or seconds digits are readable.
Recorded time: 1:26
